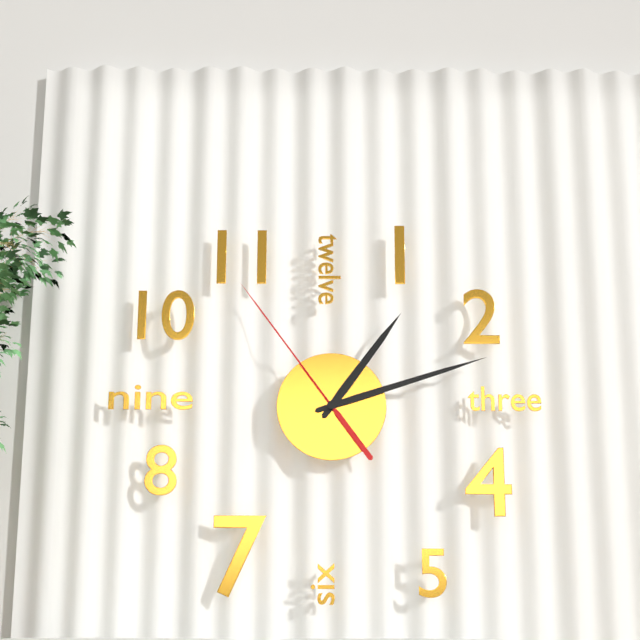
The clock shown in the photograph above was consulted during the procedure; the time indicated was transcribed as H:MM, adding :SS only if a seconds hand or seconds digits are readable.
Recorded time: 1:12:54
